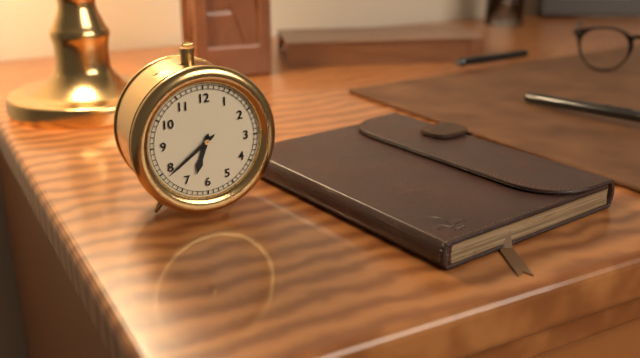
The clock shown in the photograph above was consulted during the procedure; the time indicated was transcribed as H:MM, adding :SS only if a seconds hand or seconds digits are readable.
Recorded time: 6:39
